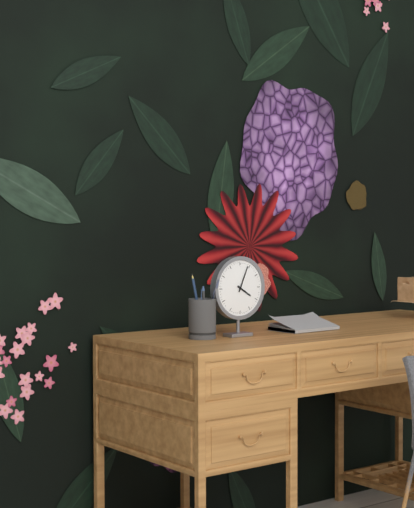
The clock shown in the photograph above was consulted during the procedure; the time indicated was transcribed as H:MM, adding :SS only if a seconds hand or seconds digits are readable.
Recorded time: 4:04
